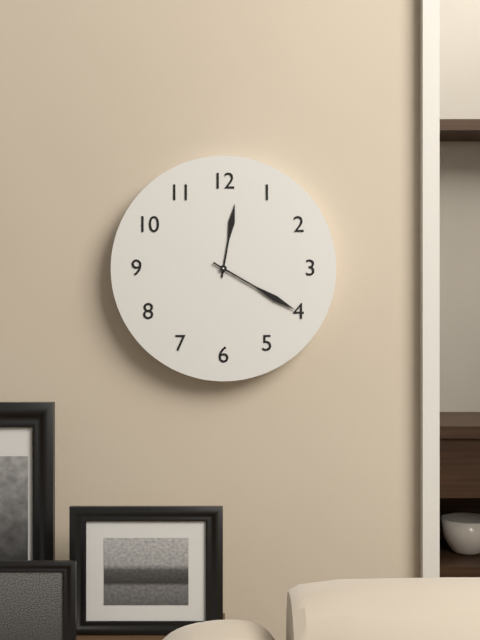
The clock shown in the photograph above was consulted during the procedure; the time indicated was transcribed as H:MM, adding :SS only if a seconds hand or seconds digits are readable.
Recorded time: 12:20
